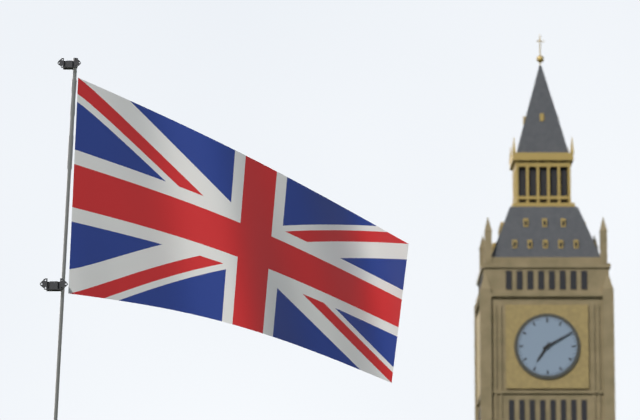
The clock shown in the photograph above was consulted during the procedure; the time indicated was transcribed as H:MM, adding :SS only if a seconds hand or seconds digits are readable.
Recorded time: 7:10
